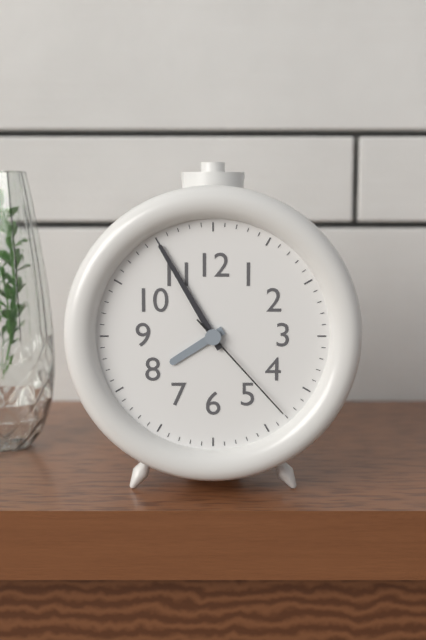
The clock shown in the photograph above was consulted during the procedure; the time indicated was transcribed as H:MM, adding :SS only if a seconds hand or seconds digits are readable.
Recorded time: 7:55:23
